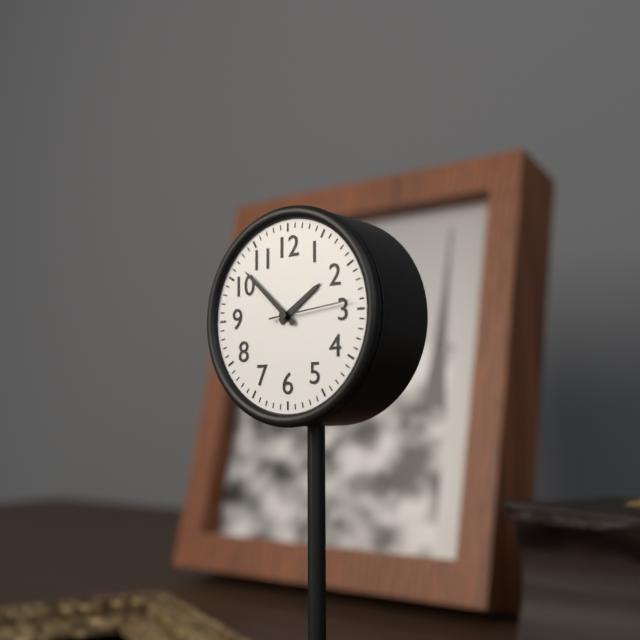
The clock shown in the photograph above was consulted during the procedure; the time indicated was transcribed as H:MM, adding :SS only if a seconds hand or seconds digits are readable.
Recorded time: 1:52:14
